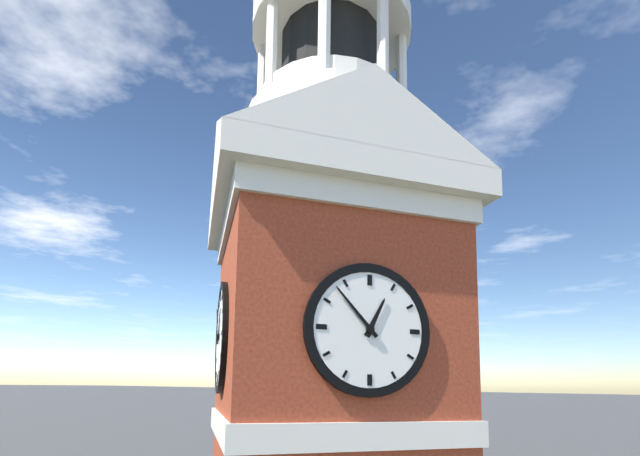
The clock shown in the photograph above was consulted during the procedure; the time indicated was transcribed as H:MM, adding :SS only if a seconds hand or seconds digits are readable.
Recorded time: 12:53
